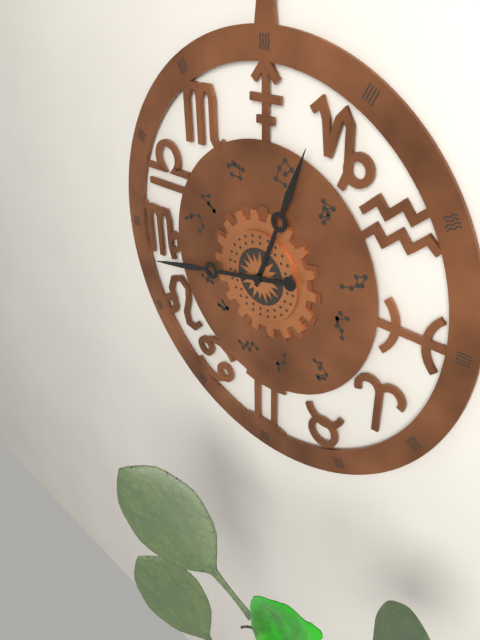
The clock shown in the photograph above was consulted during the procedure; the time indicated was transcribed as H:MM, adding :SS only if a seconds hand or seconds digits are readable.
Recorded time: 12:43
